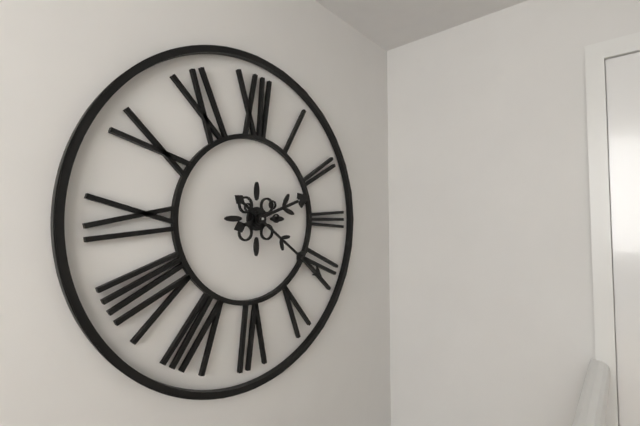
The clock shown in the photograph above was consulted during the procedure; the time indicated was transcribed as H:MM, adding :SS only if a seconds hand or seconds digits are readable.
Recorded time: 2:21
